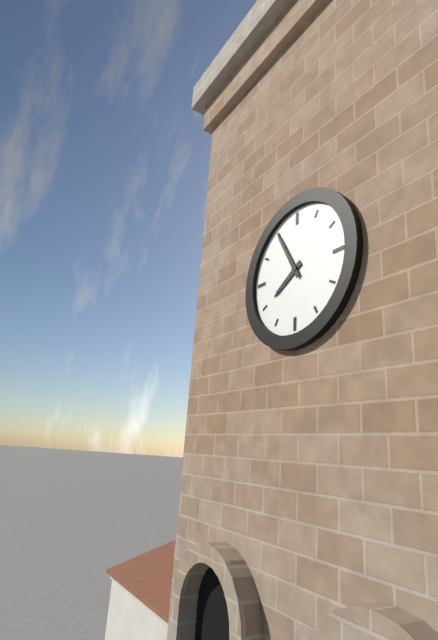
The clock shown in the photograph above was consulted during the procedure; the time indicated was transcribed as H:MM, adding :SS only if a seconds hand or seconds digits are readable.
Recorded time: 7:55
